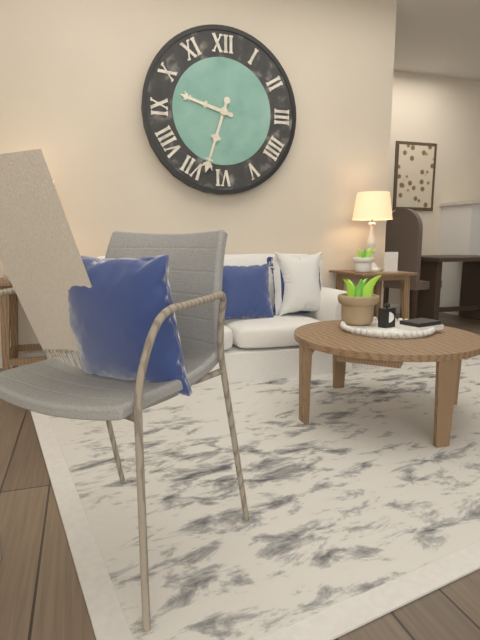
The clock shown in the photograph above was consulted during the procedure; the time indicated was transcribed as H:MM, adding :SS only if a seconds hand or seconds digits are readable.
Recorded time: 9:33
